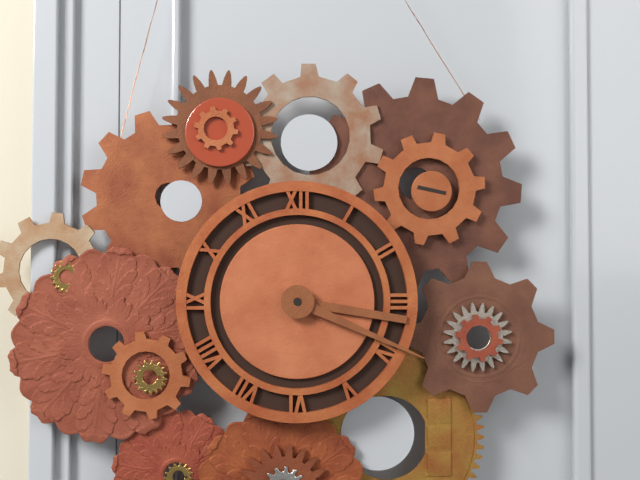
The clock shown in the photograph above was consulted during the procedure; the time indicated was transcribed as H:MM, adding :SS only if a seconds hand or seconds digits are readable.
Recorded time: 3:19
